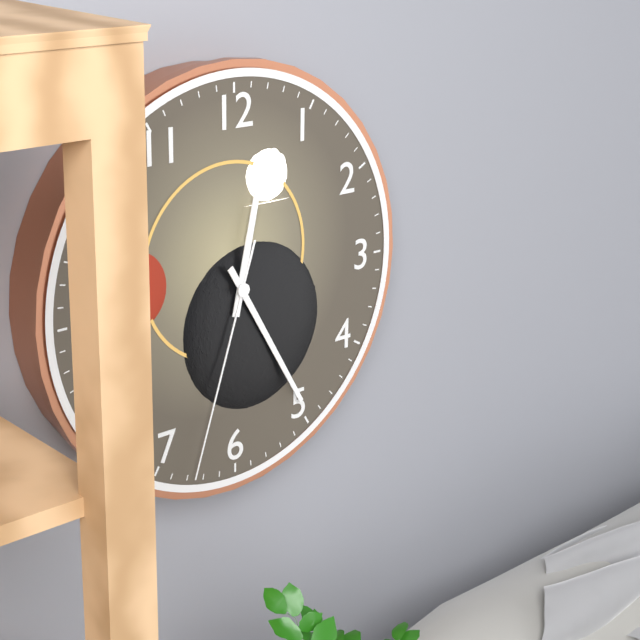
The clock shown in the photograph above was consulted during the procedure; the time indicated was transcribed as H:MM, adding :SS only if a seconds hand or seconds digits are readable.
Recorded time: 12:25:33
